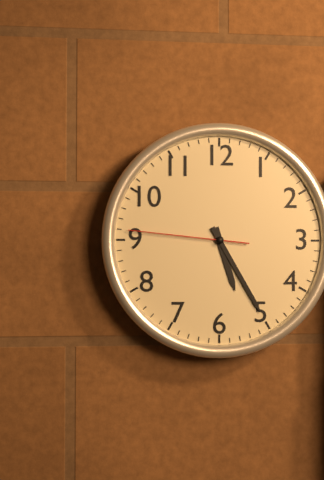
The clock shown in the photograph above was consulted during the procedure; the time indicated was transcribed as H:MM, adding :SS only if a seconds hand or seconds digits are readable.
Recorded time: 5:25:46
